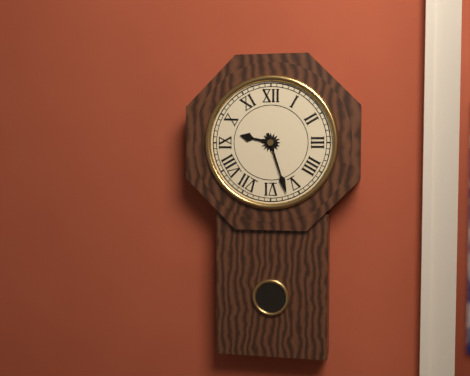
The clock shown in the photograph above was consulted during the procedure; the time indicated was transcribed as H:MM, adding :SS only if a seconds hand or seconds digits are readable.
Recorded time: 9:27
